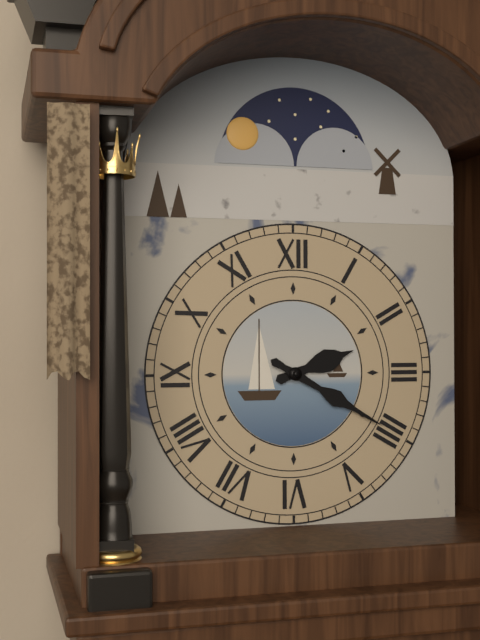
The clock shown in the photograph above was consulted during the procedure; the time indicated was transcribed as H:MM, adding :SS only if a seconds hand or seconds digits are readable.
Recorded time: 2:20
